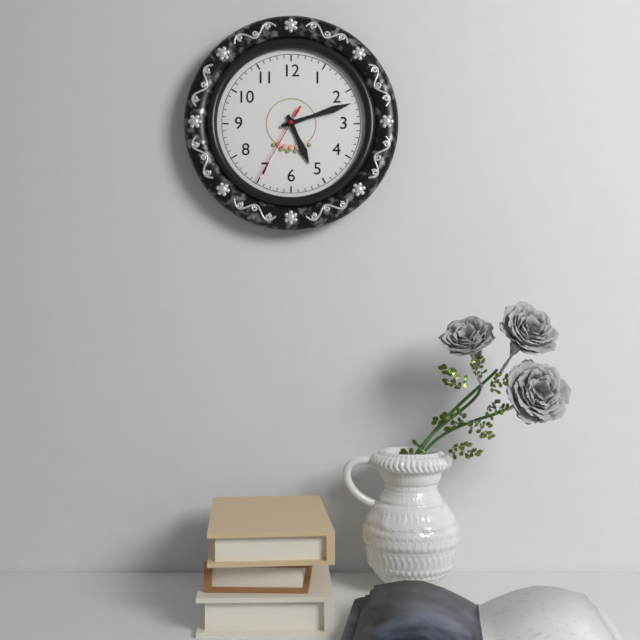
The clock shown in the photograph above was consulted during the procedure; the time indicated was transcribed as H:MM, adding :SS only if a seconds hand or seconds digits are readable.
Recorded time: 5:12:35
